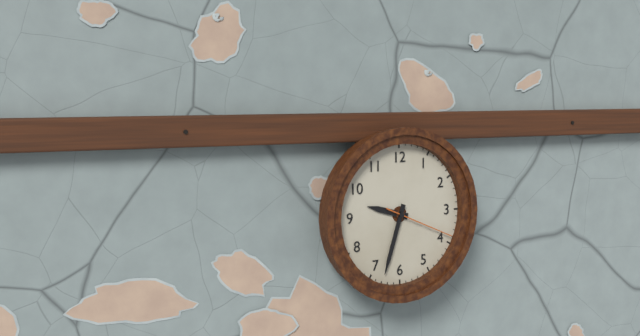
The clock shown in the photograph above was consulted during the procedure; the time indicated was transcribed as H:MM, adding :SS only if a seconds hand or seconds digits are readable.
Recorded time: 9:33:19
